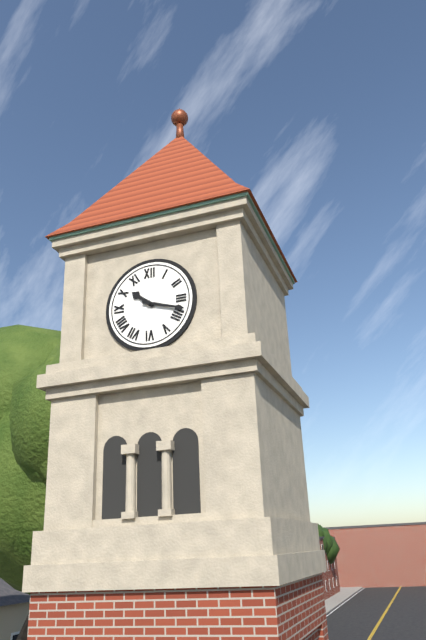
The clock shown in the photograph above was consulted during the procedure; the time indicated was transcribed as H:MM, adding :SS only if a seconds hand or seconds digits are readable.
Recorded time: 10:18
